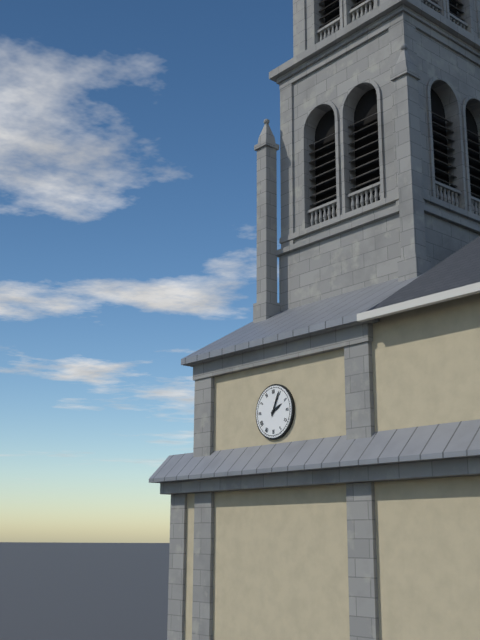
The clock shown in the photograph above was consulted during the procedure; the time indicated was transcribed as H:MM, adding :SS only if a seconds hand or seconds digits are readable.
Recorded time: 2:04
